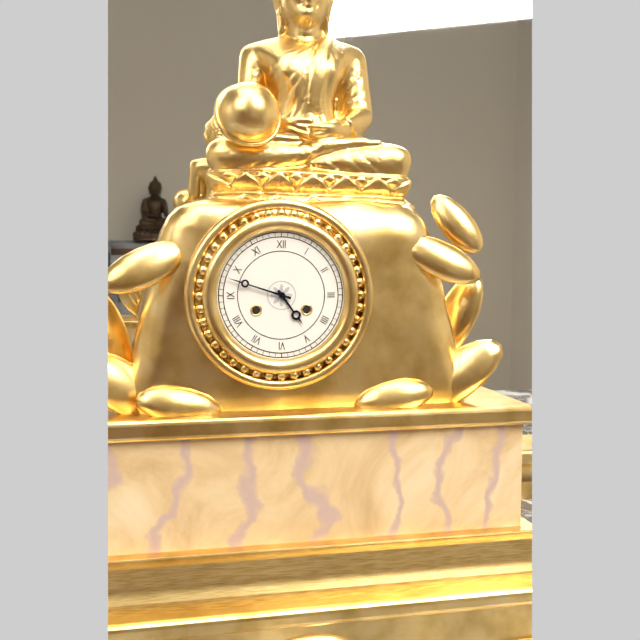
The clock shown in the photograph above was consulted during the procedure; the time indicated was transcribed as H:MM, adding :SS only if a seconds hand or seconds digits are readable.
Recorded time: 4:48
